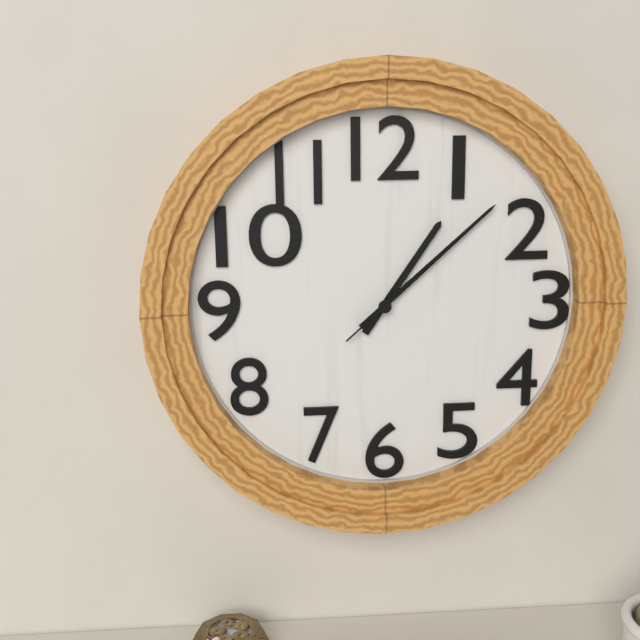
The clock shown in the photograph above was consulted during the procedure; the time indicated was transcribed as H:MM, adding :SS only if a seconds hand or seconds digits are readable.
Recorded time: 1:08:08
